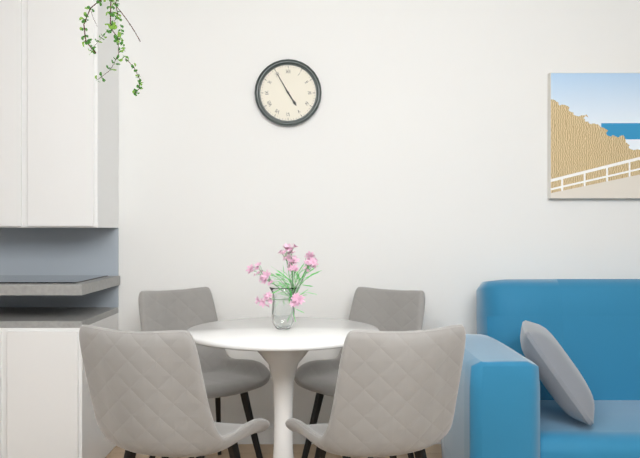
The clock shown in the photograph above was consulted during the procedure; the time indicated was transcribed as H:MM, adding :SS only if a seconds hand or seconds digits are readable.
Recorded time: 4:55
